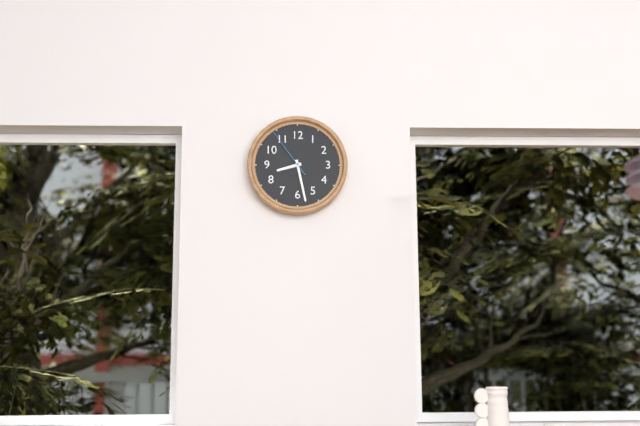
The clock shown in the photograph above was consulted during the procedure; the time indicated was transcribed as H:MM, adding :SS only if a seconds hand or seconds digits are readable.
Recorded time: 8:28:54
